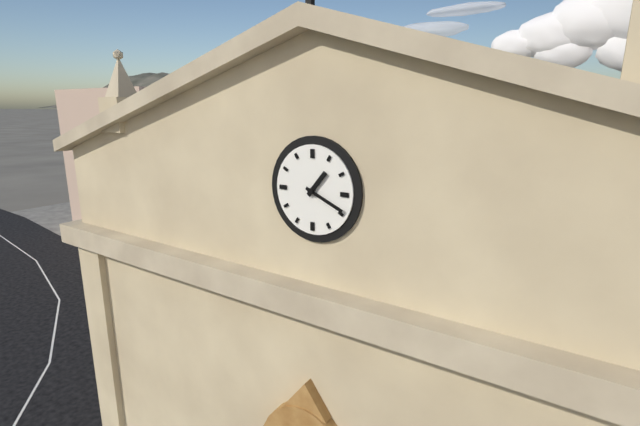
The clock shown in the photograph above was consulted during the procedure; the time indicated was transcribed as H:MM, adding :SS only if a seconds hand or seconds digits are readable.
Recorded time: 1:19
